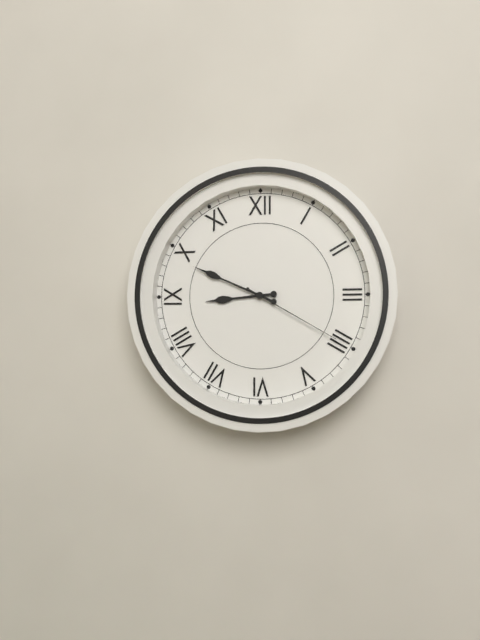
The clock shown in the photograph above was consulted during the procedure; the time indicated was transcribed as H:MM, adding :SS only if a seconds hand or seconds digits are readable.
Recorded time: 8:49:20
